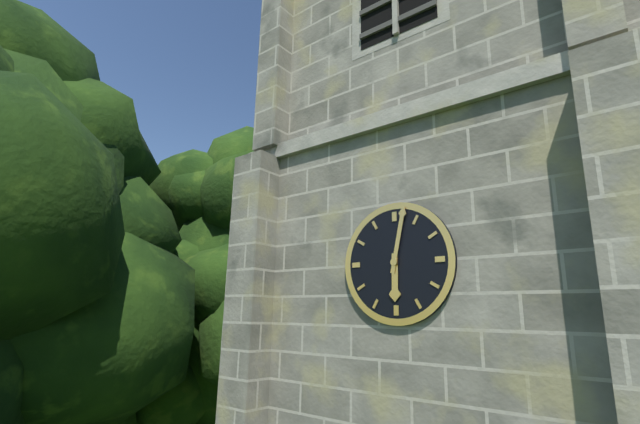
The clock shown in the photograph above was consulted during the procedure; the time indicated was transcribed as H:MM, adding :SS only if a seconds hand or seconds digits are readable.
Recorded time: 6:02
